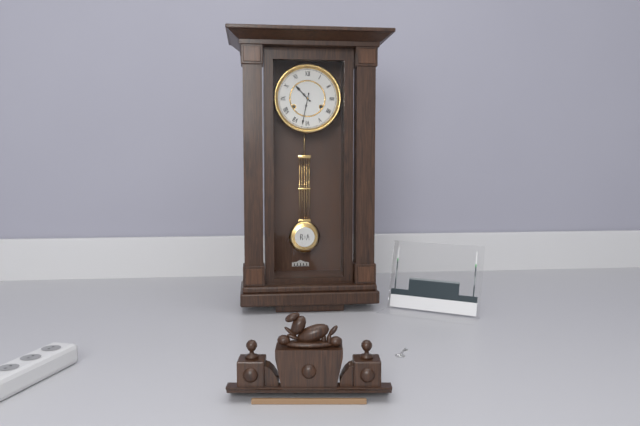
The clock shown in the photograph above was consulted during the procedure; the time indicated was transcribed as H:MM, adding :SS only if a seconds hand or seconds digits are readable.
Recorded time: 10:32
